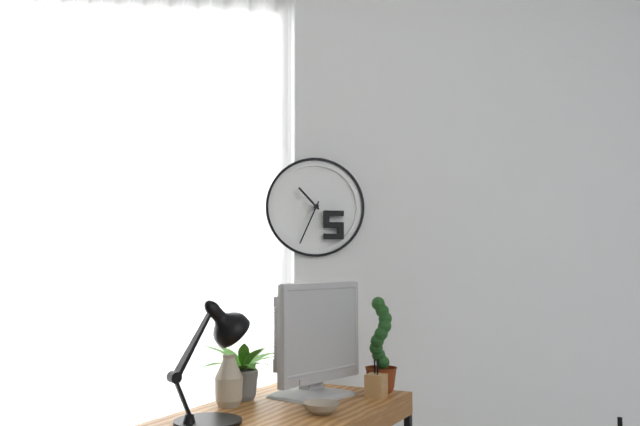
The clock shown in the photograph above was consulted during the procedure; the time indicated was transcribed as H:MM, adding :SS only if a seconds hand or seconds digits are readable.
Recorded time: 10:34
